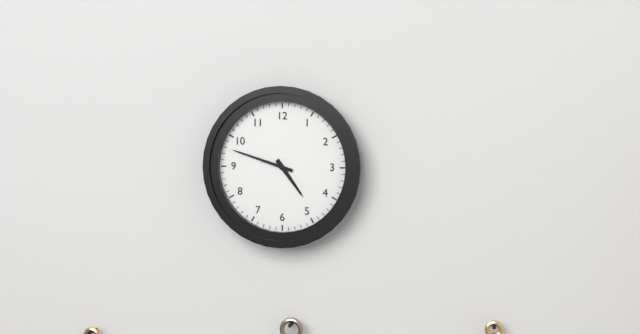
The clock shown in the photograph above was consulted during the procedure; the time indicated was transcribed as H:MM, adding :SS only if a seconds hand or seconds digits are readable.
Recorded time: 4:48
